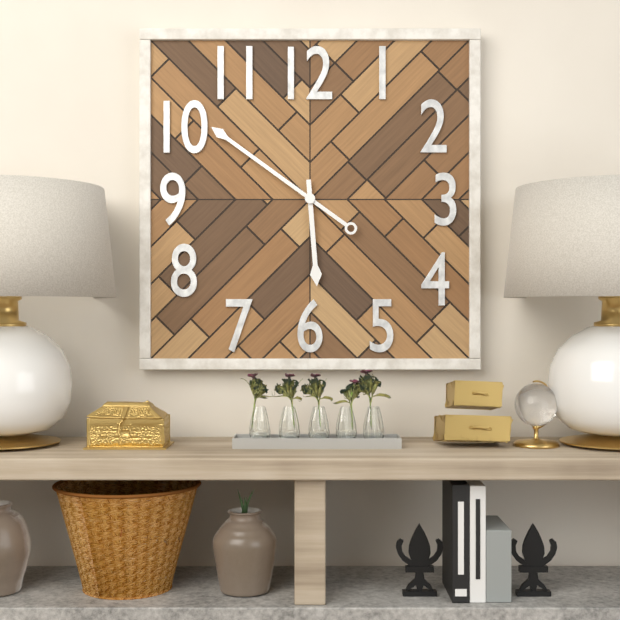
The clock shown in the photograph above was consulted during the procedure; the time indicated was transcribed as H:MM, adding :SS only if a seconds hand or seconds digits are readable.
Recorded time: 5:51
